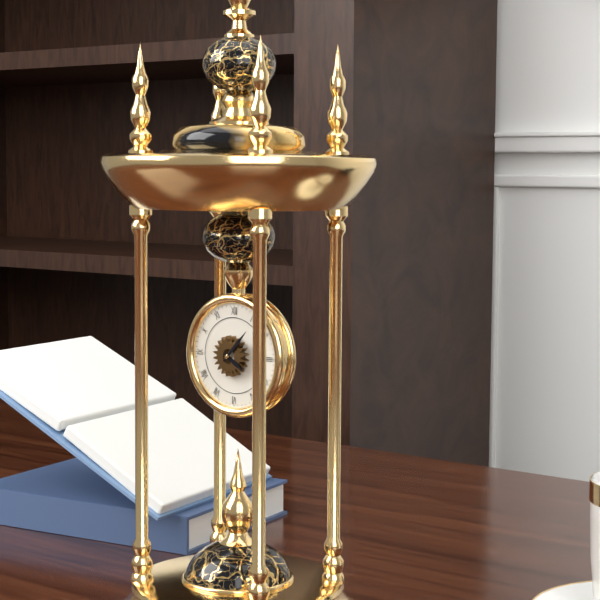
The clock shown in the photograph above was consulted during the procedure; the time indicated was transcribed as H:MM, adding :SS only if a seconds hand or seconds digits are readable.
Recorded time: 4:07
